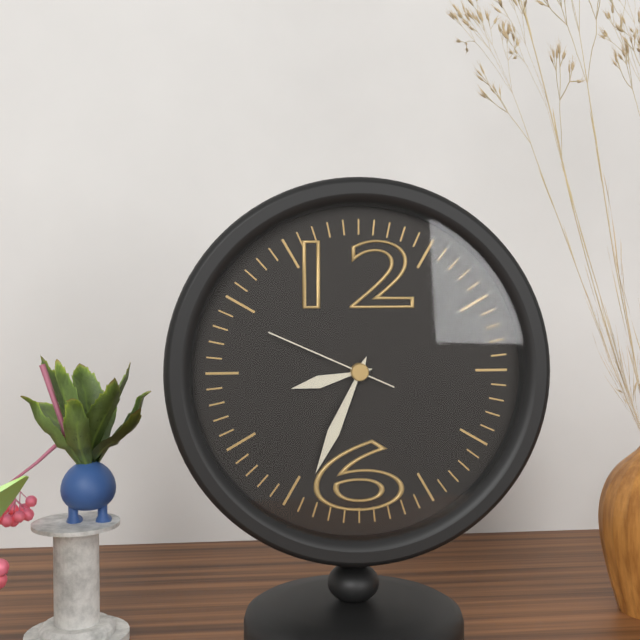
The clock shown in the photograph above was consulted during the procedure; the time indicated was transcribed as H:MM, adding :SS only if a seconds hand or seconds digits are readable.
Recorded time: 8:34:49
